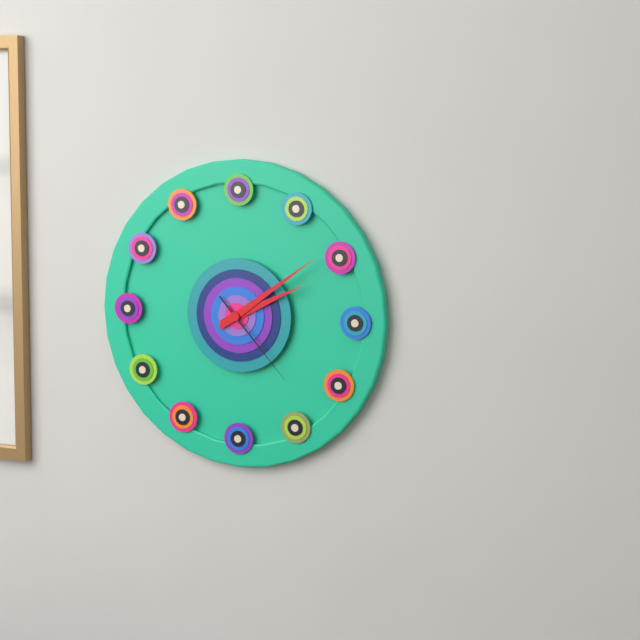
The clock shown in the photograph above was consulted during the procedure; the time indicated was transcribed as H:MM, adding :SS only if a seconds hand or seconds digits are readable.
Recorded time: 2:09:23
